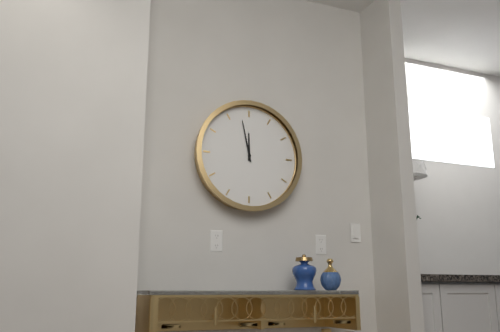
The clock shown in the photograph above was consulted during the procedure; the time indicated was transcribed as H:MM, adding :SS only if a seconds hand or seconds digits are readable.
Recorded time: 11:58
